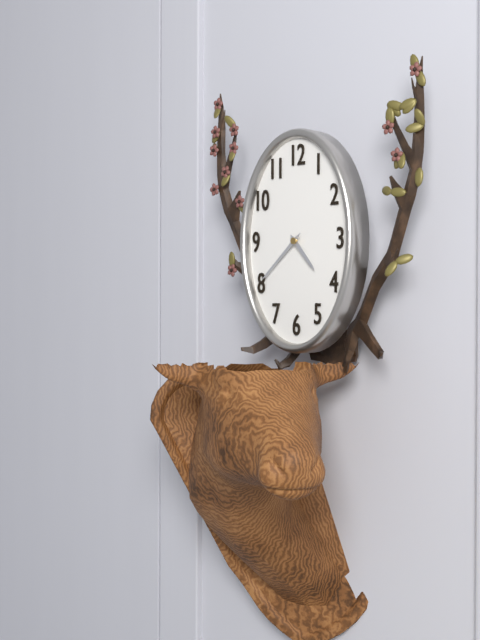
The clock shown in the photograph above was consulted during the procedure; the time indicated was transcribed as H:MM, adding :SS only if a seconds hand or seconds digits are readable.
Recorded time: 4:38
